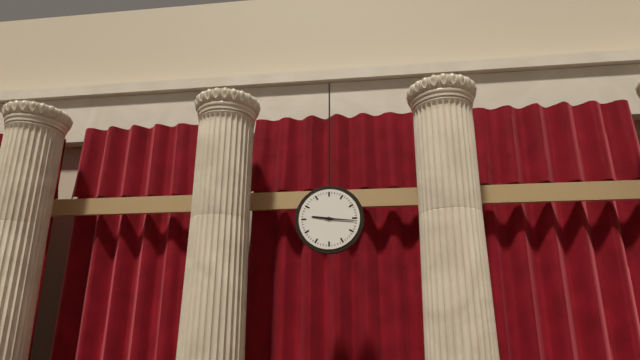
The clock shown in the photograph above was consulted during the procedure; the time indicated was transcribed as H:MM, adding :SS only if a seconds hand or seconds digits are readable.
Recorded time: 9:16
